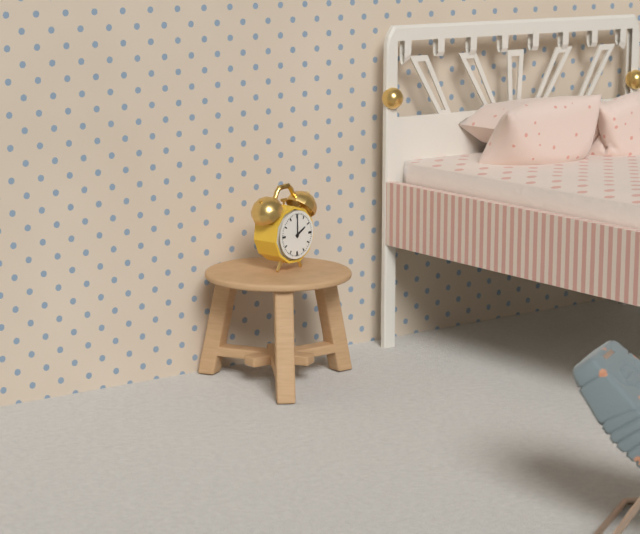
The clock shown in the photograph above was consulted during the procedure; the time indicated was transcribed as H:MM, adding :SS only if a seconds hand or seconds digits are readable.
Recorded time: 2:00
